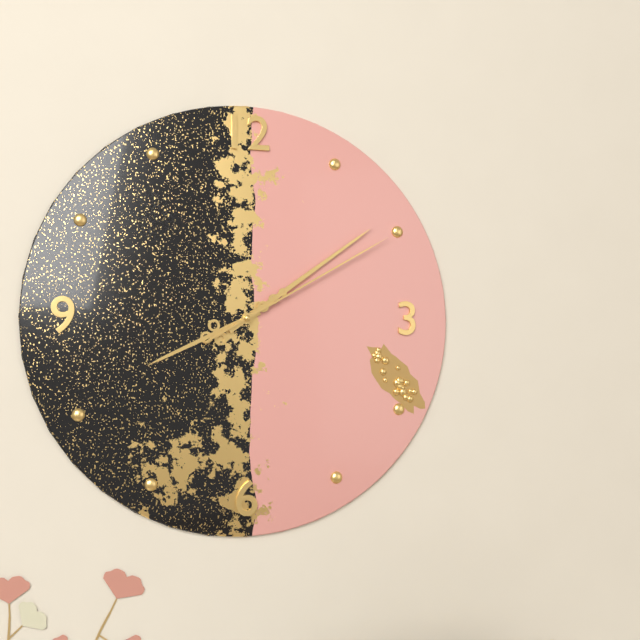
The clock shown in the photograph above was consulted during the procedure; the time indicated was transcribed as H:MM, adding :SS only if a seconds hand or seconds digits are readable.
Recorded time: 8:09:10
